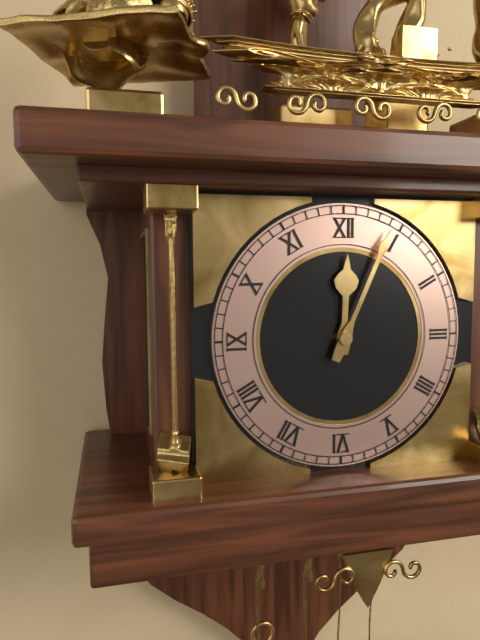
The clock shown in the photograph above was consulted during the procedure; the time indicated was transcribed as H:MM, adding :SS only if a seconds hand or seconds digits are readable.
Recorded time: 12:04
